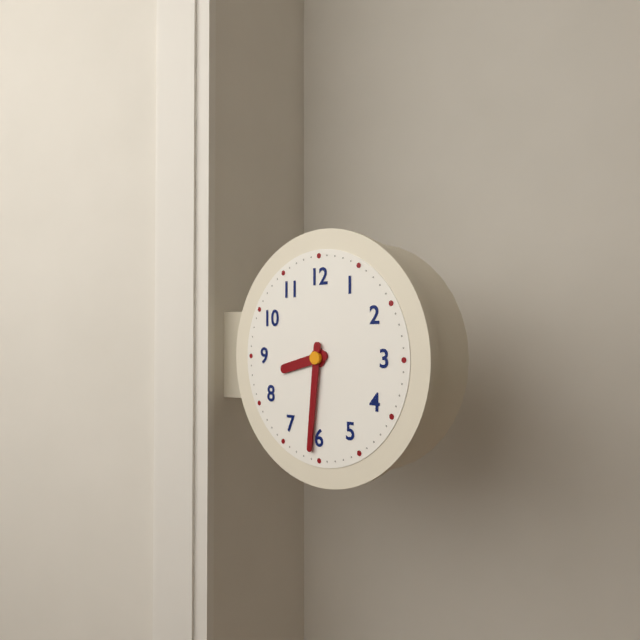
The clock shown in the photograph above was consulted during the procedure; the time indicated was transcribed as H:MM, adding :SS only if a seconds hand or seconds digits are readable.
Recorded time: 8:31
